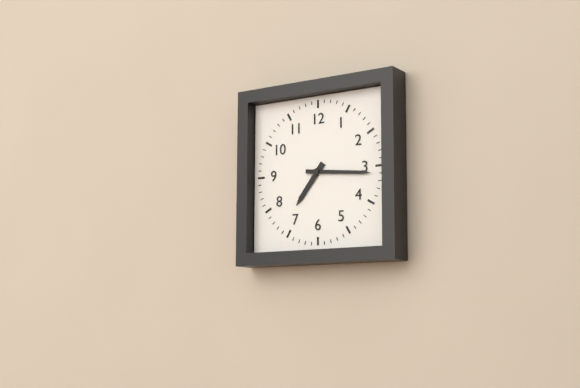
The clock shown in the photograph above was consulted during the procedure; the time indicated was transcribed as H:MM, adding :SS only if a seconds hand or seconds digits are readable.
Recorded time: 7:16
